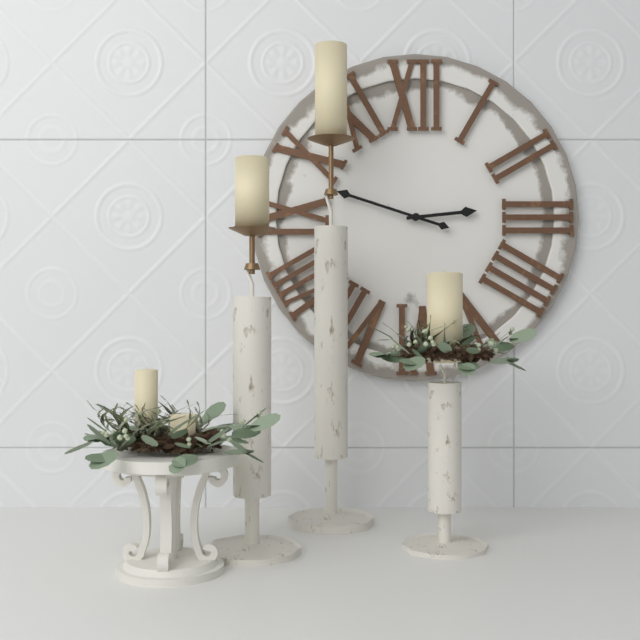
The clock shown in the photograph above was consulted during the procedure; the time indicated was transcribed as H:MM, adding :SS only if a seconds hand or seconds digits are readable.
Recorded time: 2:48
